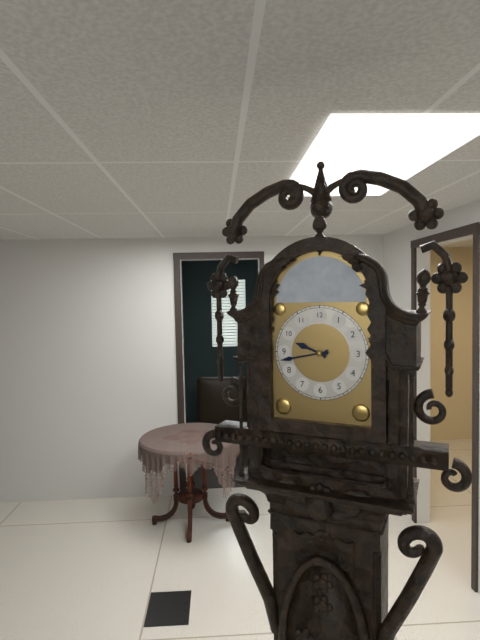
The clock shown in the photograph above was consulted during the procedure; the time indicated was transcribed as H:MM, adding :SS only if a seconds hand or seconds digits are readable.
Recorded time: 9:43
